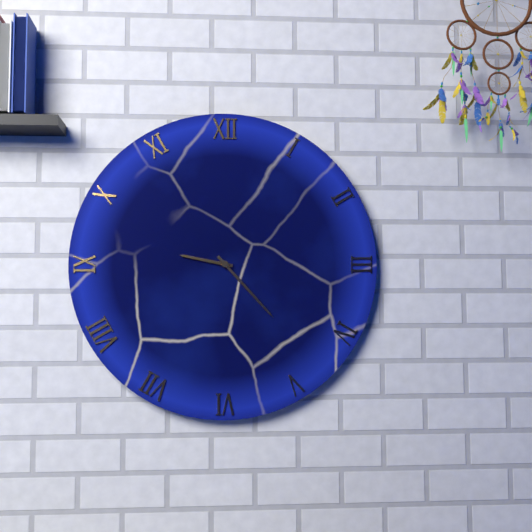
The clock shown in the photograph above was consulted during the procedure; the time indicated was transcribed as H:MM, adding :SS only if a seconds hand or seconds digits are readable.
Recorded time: 9:23
